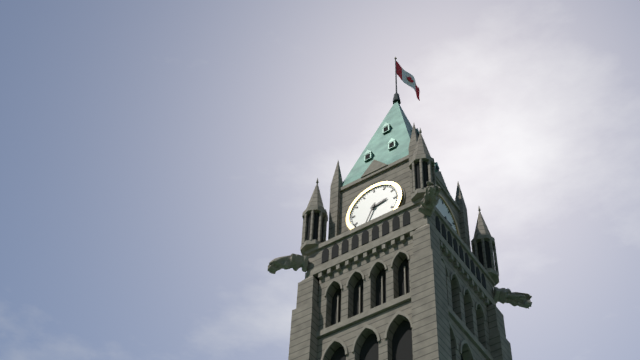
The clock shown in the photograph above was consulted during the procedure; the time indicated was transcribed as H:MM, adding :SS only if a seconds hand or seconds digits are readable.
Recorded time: 2:34
